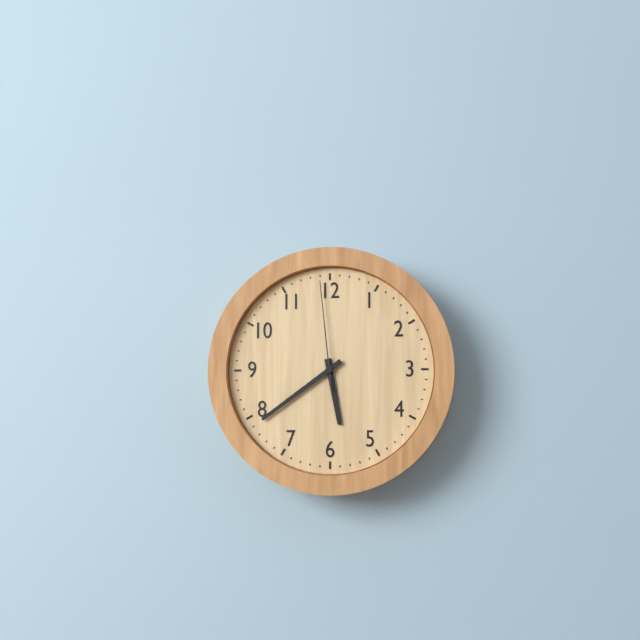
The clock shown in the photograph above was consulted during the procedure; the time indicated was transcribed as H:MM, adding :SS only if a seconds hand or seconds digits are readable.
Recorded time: 5:39:59
